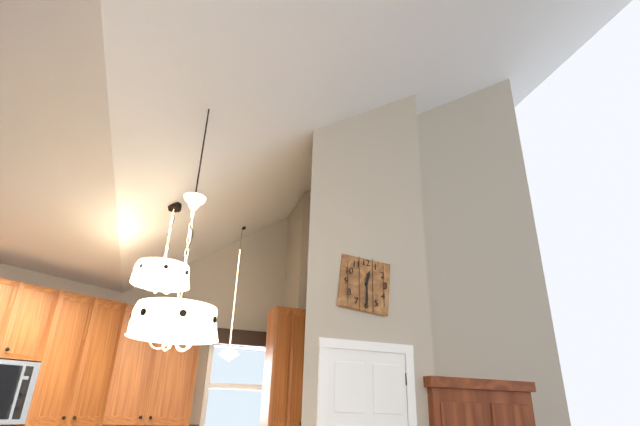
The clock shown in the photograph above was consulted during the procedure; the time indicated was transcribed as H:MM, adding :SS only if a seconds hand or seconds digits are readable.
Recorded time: 12:30
